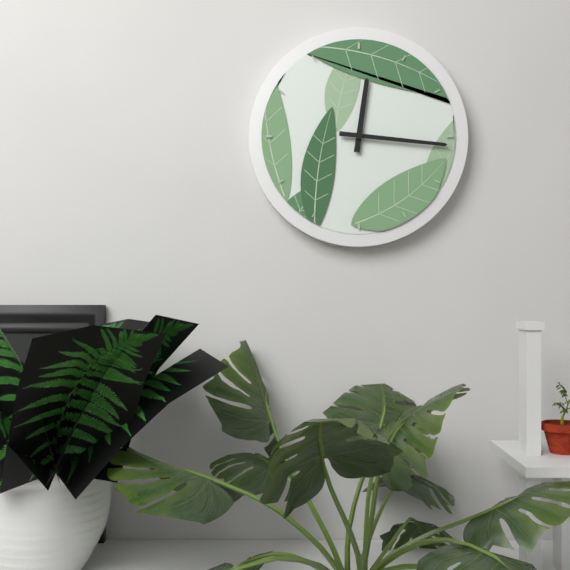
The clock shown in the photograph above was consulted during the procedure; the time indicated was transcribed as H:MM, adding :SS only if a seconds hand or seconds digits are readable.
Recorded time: 12:16
